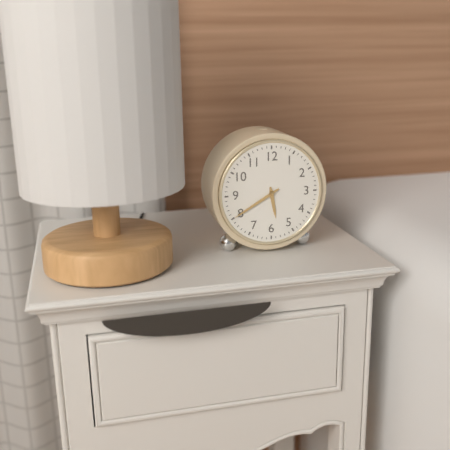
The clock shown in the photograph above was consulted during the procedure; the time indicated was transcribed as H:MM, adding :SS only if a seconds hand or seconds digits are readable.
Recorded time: 5:40
